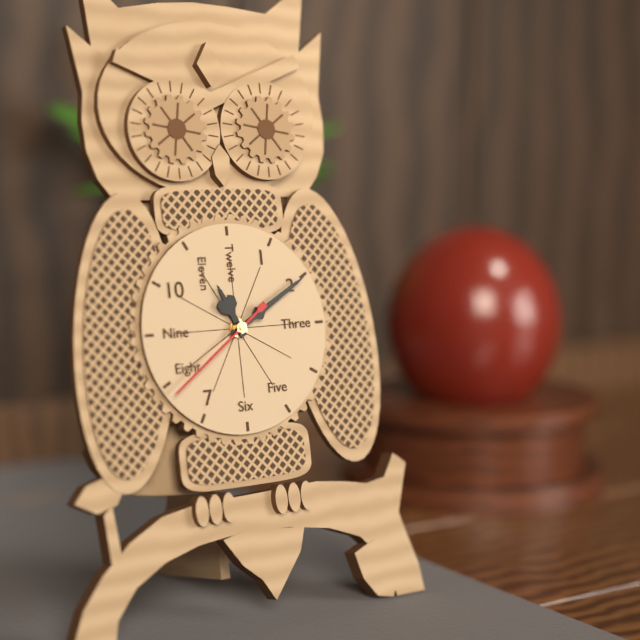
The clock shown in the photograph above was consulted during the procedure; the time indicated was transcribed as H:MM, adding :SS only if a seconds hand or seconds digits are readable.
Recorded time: 11:10:39
